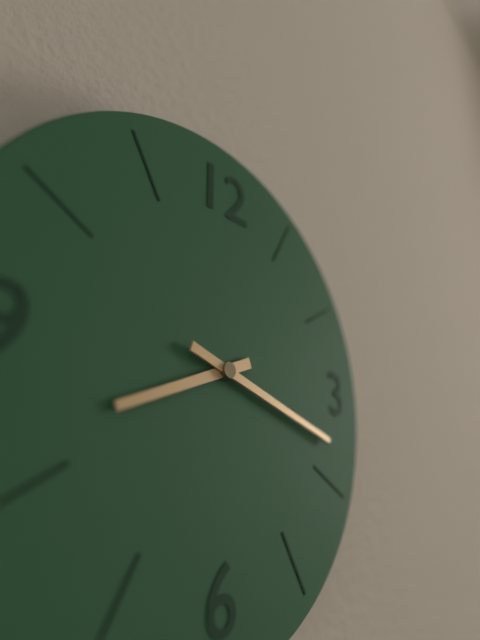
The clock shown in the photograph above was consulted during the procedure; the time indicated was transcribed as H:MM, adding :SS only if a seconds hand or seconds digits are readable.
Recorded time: 8:18
